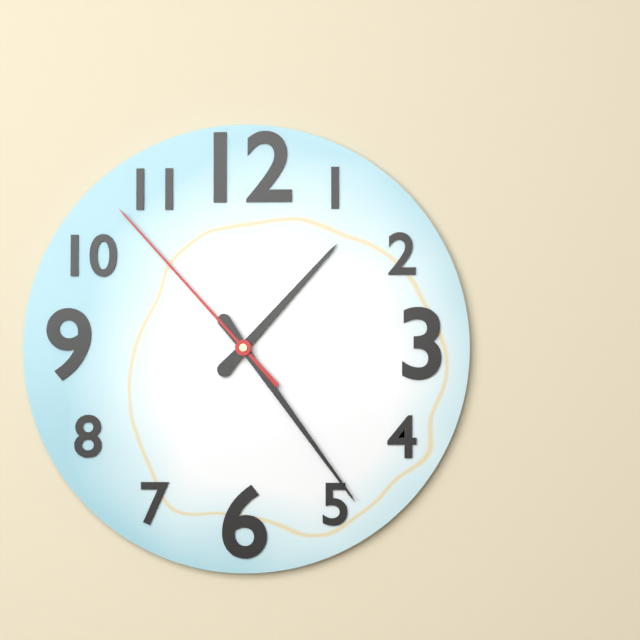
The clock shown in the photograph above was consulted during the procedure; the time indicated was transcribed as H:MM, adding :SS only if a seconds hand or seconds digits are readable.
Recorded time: 1:24:53
